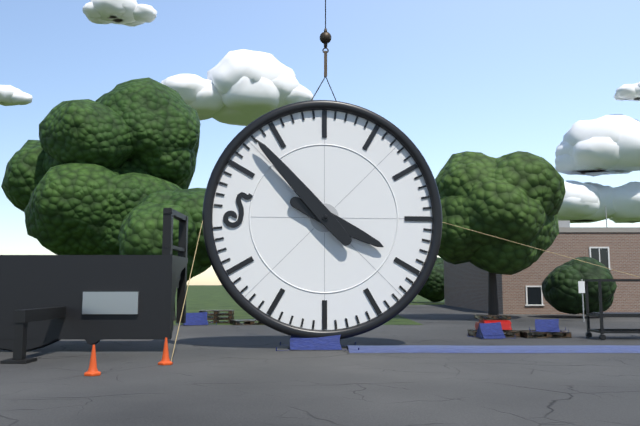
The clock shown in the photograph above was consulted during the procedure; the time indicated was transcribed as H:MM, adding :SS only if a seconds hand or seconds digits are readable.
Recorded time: 3:53
